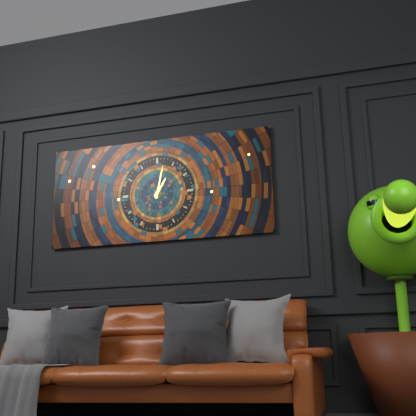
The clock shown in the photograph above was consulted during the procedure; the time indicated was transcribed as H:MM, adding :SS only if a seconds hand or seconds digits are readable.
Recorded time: 1:02
